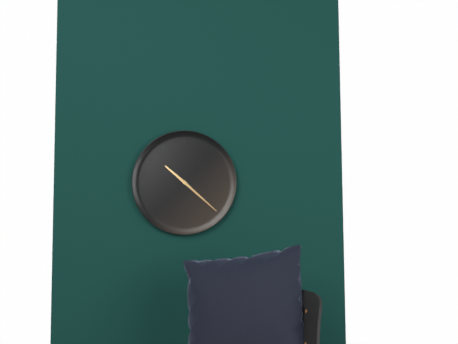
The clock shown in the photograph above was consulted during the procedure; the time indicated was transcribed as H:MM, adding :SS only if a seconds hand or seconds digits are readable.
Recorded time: 10:22
